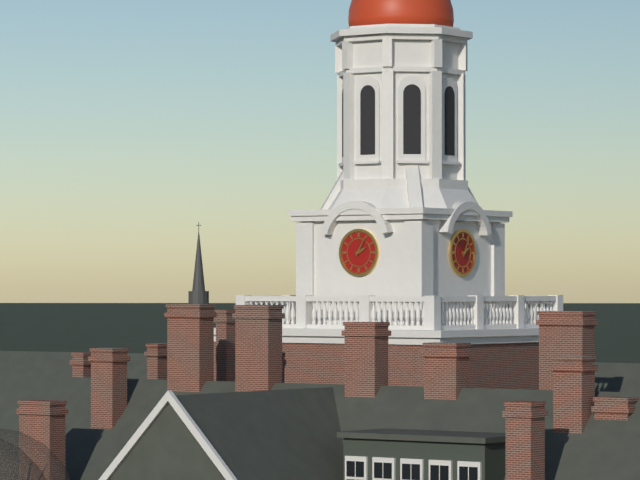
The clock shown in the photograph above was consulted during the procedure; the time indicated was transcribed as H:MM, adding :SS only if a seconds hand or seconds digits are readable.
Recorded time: 2:05
